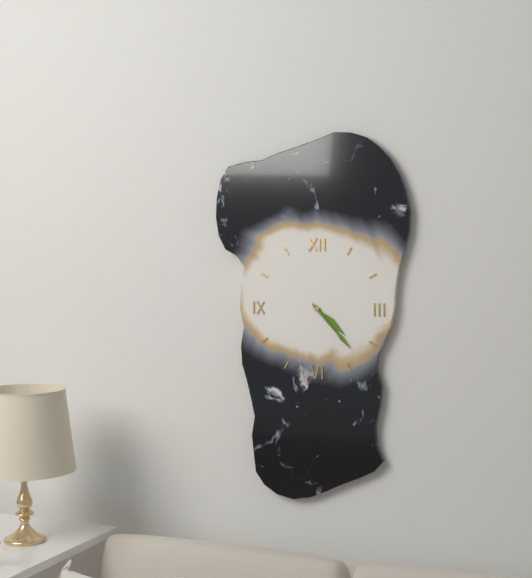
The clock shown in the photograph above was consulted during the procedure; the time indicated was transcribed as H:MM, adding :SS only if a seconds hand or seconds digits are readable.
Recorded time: 4:23
